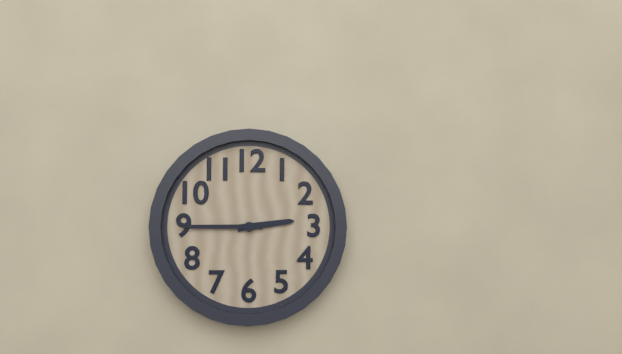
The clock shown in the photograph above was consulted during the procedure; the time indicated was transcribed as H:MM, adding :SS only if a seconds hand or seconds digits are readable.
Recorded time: 2:45
